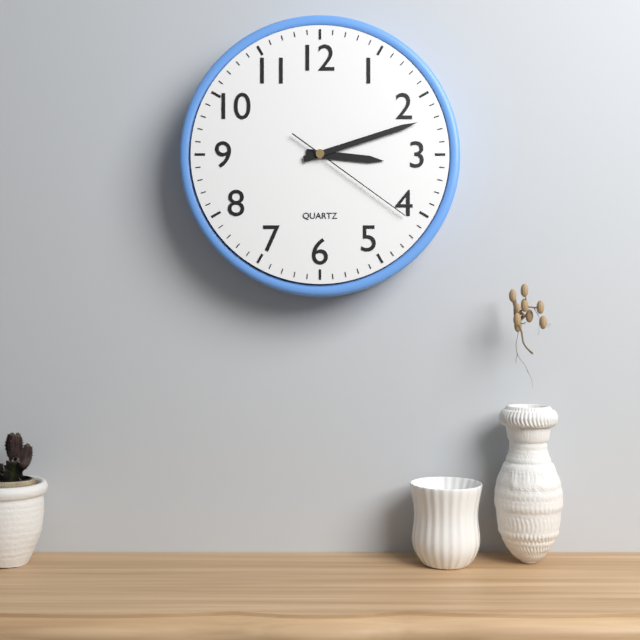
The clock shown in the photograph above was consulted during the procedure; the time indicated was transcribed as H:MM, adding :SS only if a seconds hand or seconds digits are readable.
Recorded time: 3:12:21
